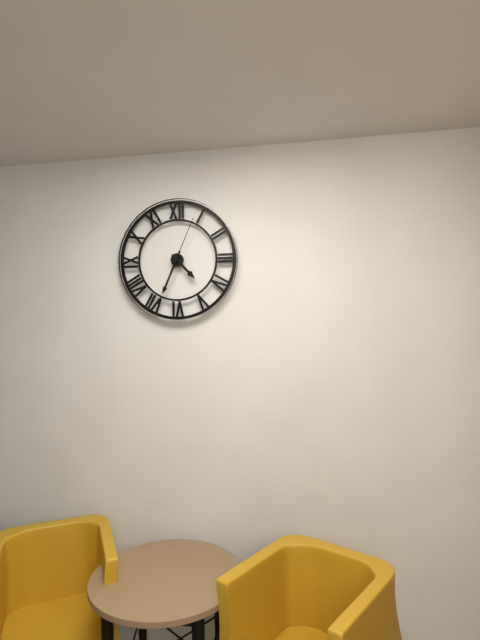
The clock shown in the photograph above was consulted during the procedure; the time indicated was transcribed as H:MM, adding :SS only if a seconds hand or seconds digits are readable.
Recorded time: 4:34:04
